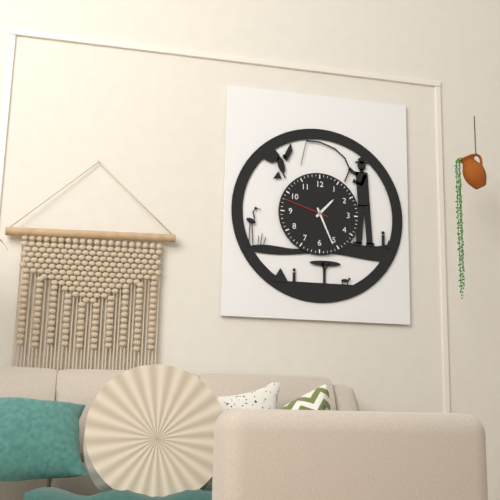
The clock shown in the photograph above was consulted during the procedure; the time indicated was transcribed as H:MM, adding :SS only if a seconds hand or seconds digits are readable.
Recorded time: 1:26
